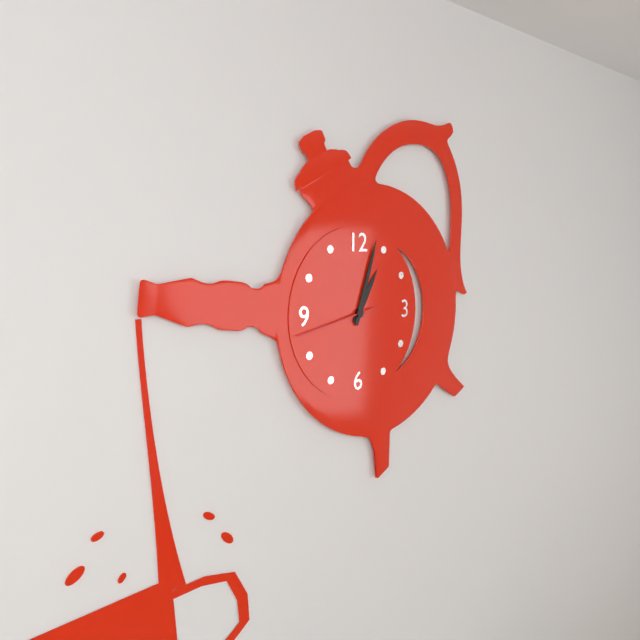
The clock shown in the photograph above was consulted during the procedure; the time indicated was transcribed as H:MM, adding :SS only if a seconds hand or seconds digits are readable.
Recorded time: 1:03:43
